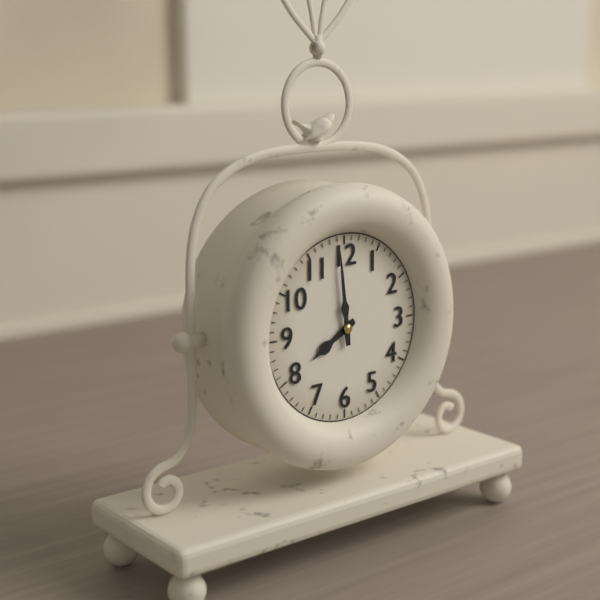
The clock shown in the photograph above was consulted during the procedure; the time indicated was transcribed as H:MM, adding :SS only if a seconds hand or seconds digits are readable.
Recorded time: 7:59
